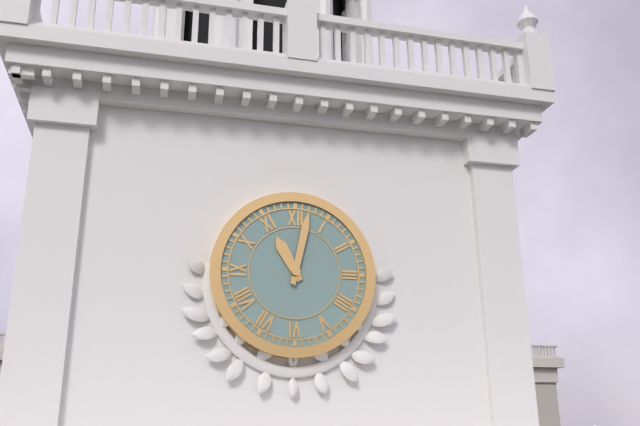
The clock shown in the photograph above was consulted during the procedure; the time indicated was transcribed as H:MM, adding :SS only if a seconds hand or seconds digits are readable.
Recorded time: 11:02
